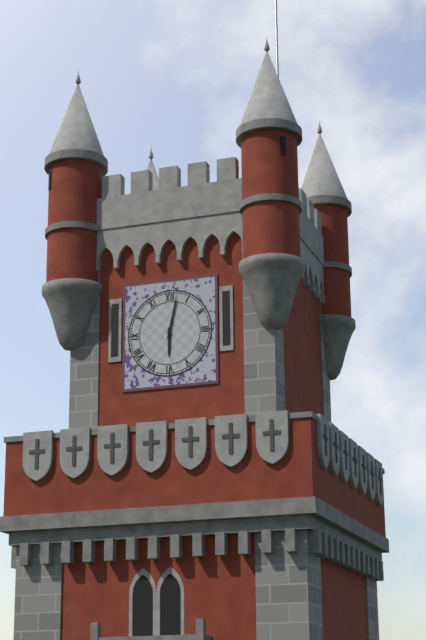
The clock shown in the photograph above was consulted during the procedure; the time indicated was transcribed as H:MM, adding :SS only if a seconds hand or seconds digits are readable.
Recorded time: 6:02
